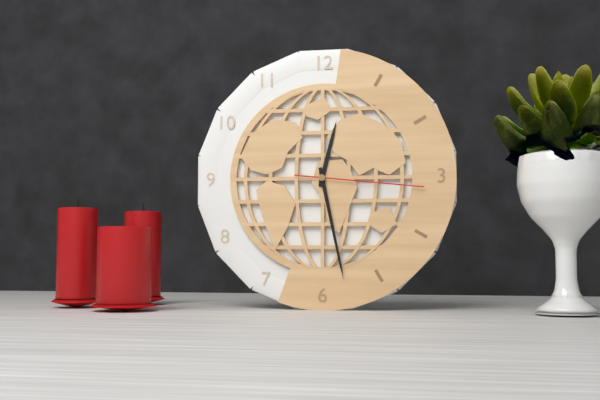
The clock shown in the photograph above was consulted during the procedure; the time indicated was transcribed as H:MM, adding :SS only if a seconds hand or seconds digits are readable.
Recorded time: 12:28:16
